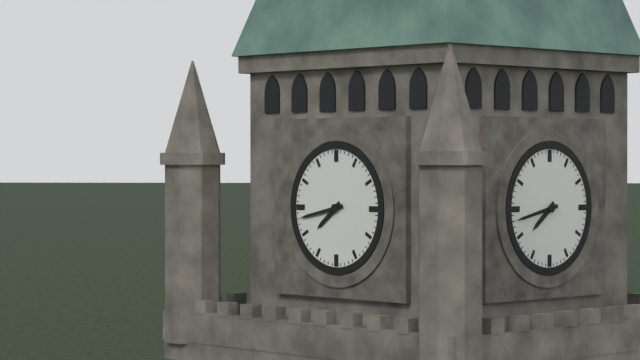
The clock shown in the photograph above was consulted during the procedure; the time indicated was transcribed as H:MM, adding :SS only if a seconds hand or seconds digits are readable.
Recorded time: 7:43
